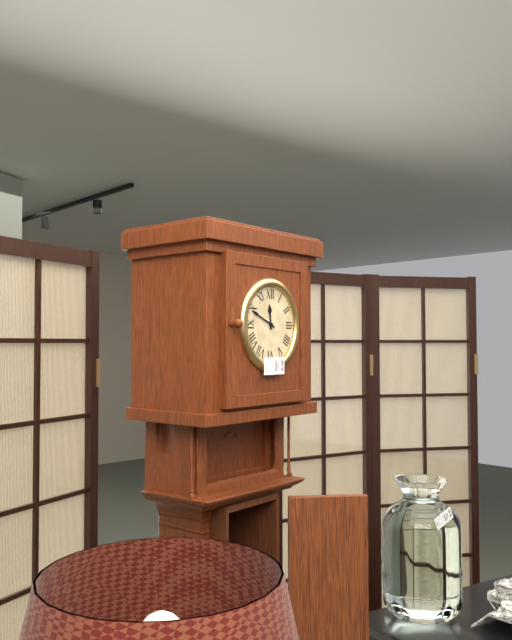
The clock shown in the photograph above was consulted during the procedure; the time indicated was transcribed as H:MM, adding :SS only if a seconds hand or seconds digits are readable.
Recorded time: 11:49
